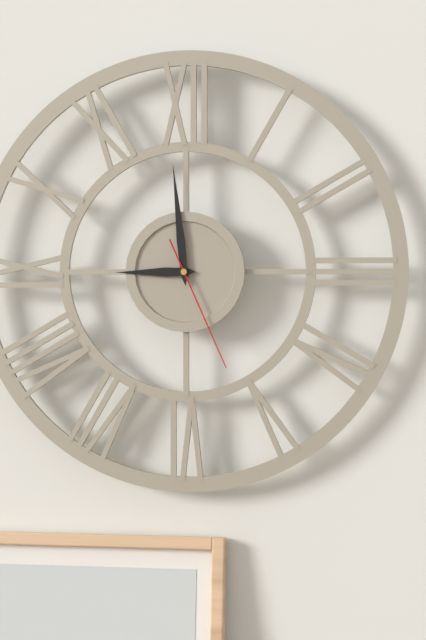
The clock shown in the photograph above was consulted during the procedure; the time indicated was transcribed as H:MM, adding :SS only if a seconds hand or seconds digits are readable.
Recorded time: 8:59:26
